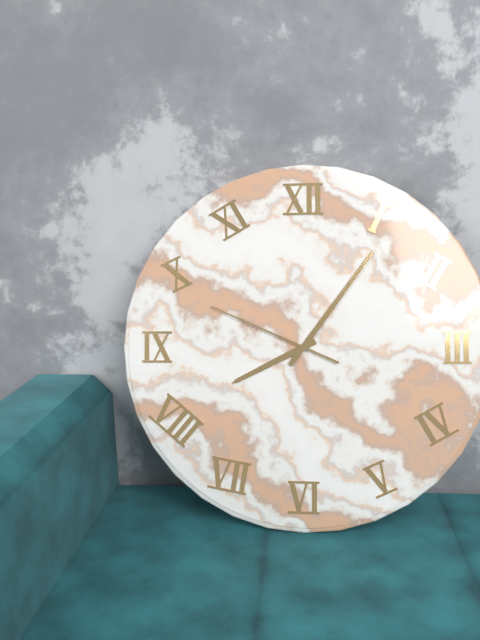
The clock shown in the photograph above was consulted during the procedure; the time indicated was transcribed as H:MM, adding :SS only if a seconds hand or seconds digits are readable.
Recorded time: 8:06:49
